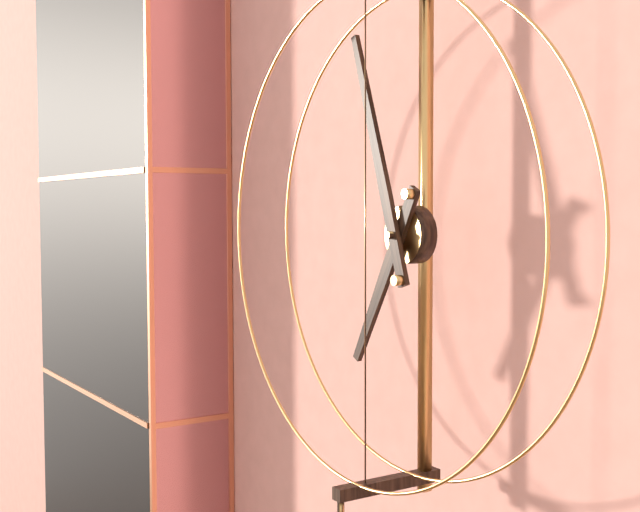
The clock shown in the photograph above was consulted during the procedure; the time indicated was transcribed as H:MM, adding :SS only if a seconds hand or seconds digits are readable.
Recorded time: 6:57
